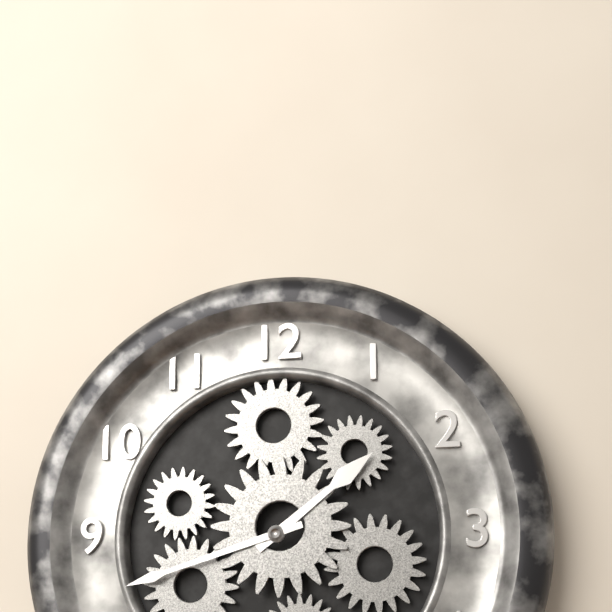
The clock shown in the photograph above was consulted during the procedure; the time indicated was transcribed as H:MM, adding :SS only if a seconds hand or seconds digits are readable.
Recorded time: 1:42
